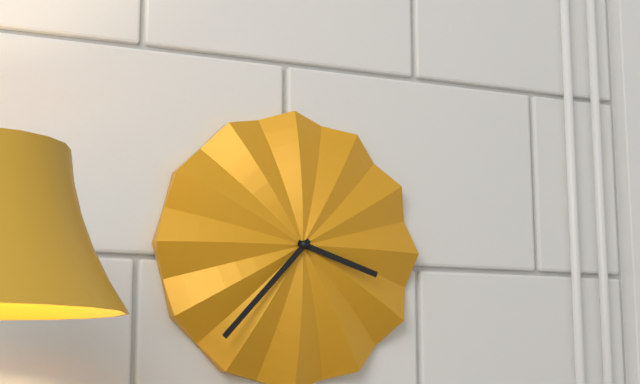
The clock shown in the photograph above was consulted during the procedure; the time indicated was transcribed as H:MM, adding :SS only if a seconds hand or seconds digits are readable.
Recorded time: 3:37
